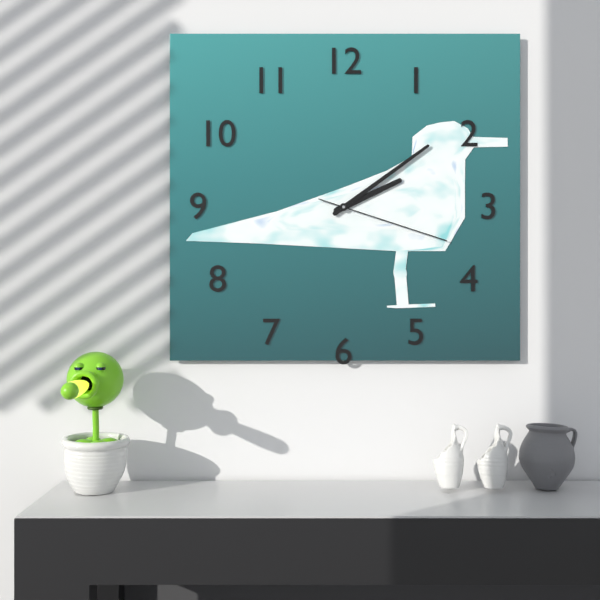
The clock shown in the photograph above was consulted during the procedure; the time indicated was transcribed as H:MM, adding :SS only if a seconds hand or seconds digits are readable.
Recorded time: 2:09:18
